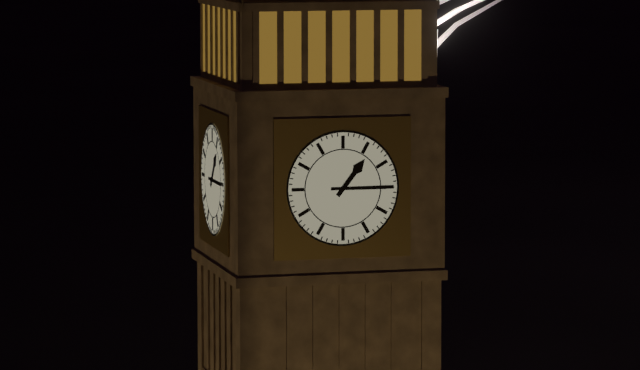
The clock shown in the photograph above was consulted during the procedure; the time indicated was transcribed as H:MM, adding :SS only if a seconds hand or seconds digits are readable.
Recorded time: 1:15
